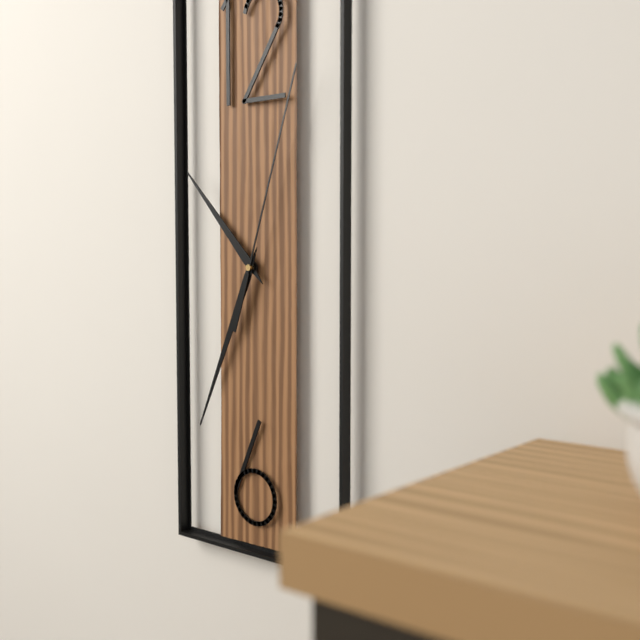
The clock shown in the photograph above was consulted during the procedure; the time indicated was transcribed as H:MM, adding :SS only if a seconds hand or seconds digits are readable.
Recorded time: 10:34:03
